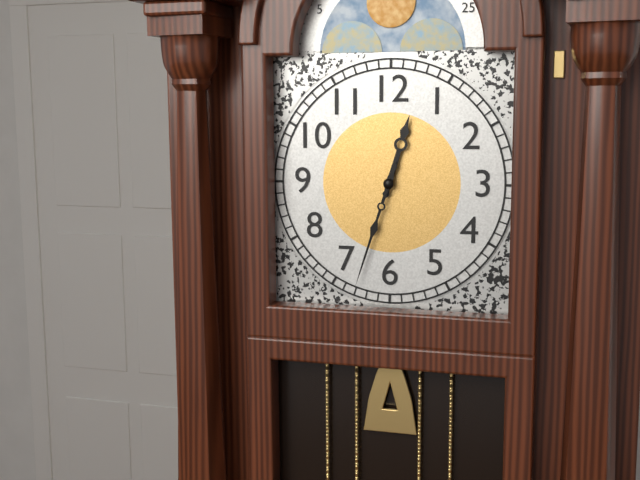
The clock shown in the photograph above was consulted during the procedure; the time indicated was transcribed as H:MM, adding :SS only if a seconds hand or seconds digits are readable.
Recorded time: 12:33
